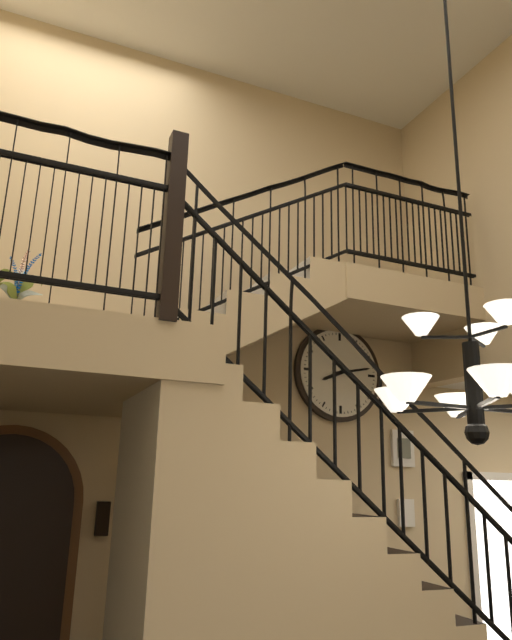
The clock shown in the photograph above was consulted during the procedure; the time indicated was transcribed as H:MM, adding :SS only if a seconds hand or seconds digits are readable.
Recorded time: 8:13
